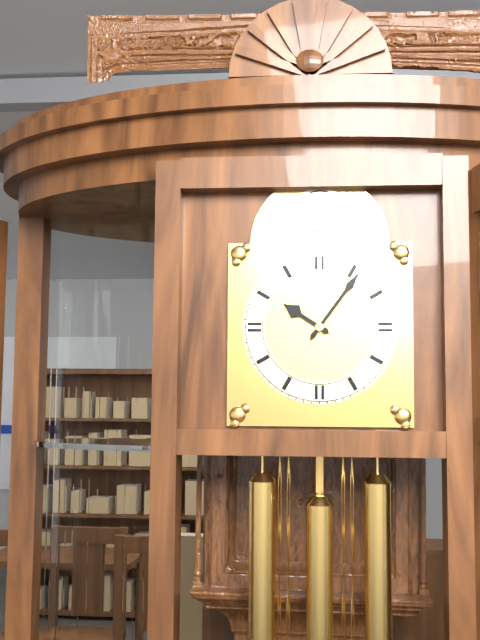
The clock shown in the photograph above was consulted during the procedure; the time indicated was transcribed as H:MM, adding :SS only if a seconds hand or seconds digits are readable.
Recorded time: 10:06
